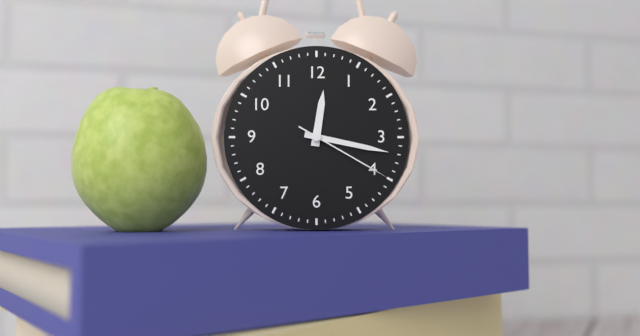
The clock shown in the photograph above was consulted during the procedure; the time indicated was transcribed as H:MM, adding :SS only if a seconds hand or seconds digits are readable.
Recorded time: 12:17:20
